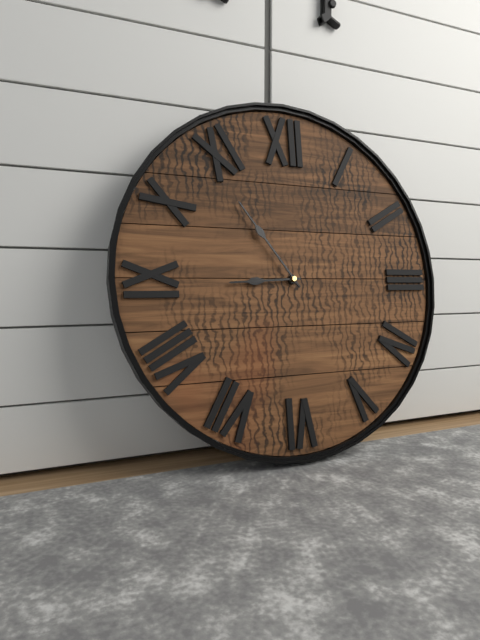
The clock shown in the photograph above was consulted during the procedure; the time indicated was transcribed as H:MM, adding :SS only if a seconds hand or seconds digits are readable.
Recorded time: 8:54
